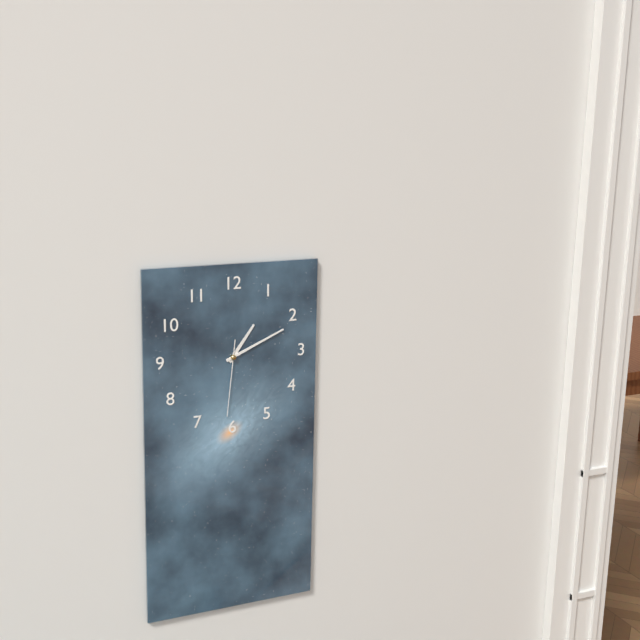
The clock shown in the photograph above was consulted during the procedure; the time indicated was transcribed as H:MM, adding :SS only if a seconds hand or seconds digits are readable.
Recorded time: 1:11:31
